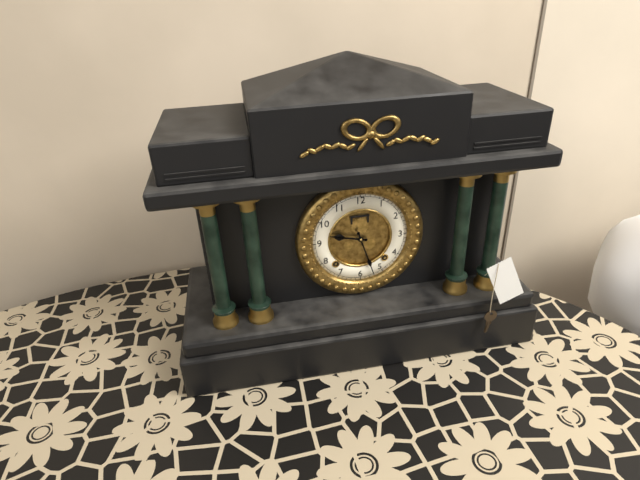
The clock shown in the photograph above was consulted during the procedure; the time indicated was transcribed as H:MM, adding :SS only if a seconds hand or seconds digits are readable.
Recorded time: 9:27
